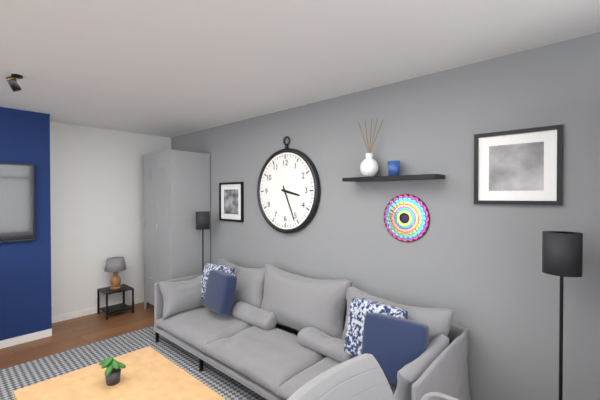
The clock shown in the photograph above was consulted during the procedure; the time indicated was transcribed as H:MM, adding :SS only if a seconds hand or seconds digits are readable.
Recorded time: 3:26
